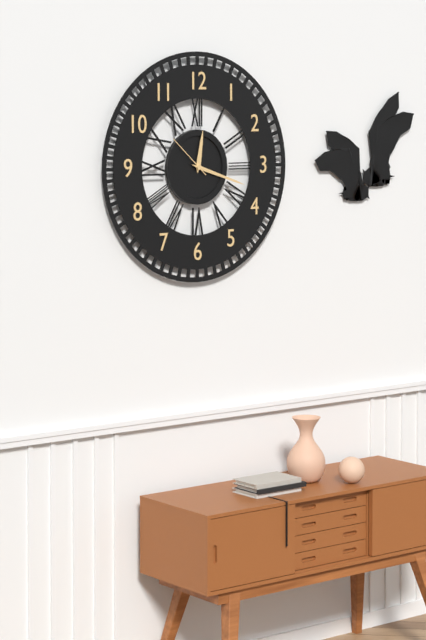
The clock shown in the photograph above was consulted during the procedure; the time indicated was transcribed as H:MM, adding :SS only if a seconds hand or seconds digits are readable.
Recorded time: 12:18
